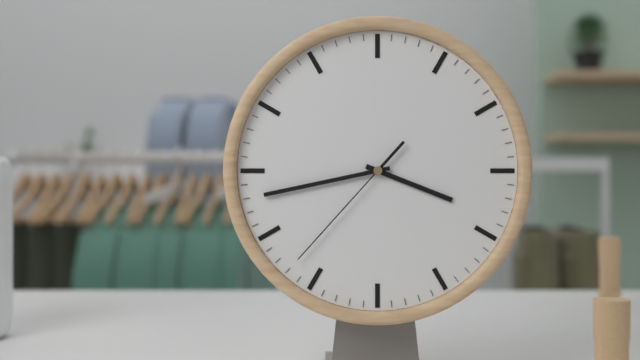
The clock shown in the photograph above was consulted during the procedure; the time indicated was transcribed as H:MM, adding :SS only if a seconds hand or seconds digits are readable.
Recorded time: 3:43:37
